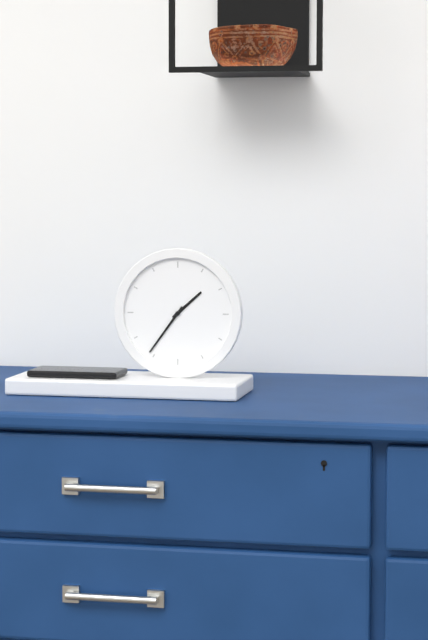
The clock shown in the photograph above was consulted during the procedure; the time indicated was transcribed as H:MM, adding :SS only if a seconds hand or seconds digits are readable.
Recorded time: 1:36
